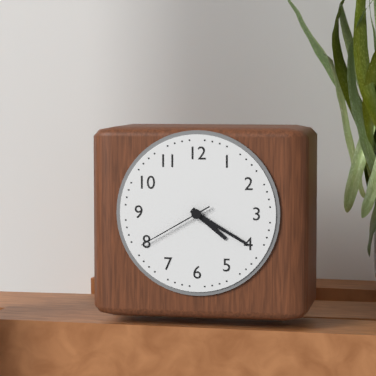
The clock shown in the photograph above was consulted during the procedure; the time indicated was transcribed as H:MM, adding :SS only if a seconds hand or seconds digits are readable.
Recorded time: 4:20:40
